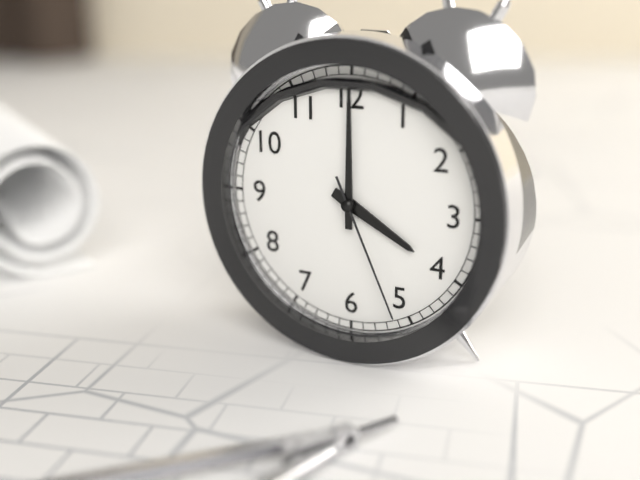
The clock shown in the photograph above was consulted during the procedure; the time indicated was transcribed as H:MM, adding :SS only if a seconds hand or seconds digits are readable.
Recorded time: 4:00:26
